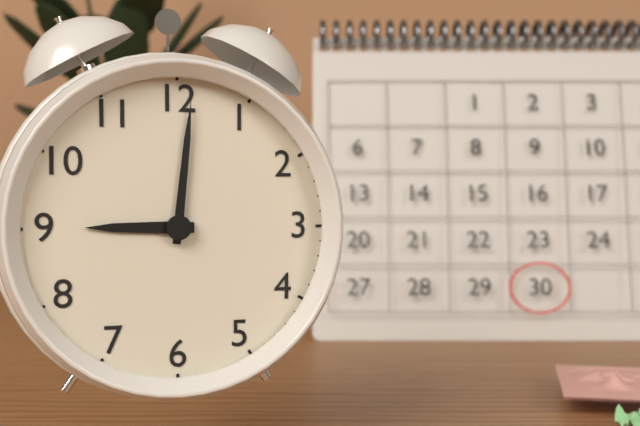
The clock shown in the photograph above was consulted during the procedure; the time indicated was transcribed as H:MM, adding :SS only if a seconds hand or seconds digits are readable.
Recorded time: 9:01
